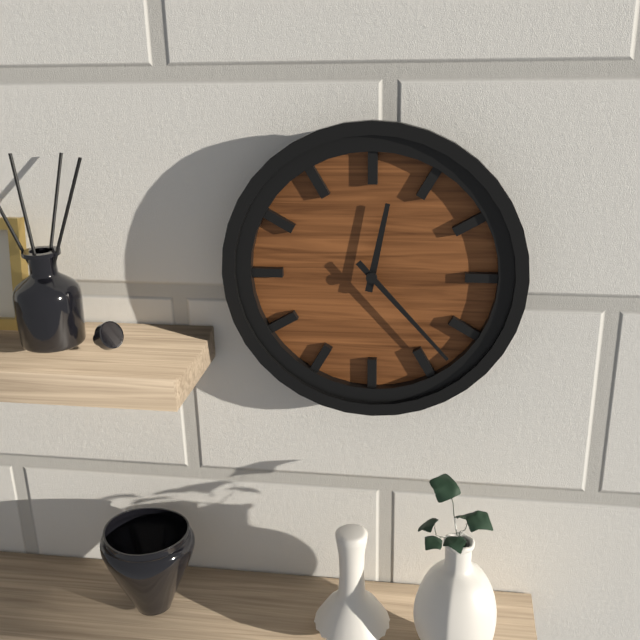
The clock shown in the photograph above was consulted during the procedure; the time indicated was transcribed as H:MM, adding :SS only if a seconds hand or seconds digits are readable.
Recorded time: 12:23
